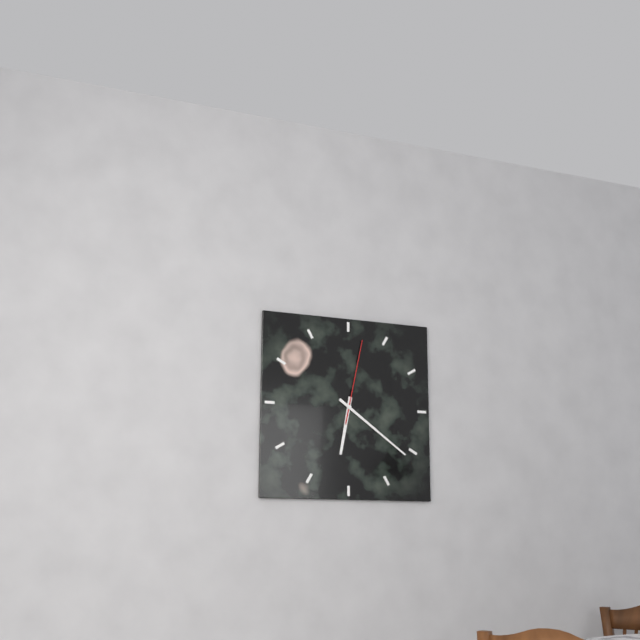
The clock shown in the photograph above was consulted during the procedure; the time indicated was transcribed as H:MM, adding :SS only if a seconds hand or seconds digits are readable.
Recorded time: 6:21:02
